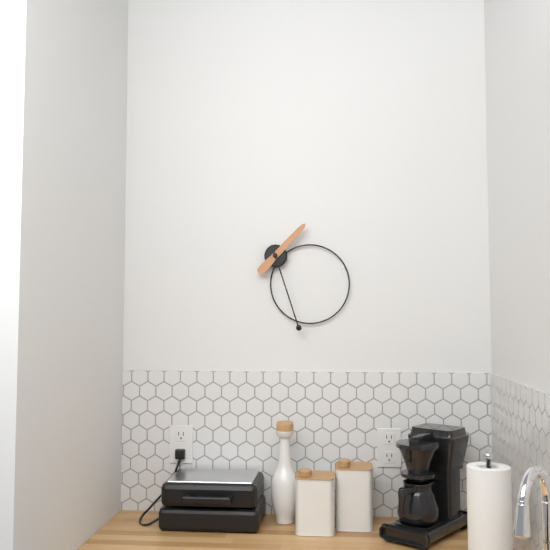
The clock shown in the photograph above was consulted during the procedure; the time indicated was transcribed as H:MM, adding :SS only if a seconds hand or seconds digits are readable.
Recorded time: 1:27
